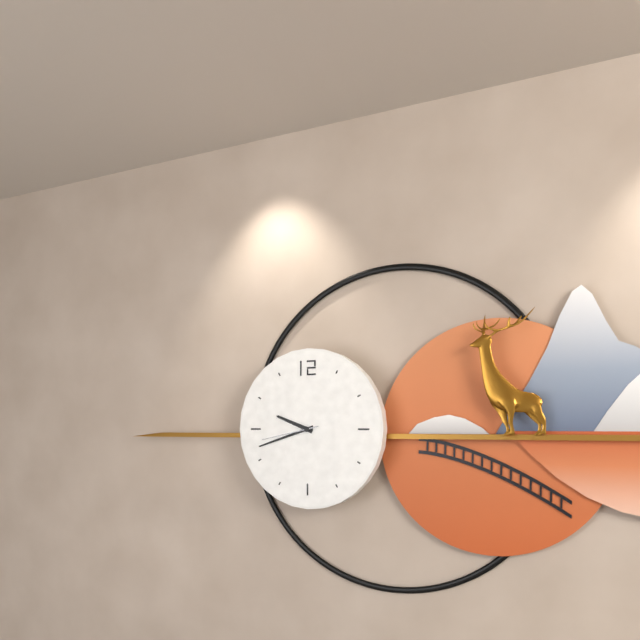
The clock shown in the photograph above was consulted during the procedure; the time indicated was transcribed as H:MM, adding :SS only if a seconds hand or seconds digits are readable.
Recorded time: 9:42:43
